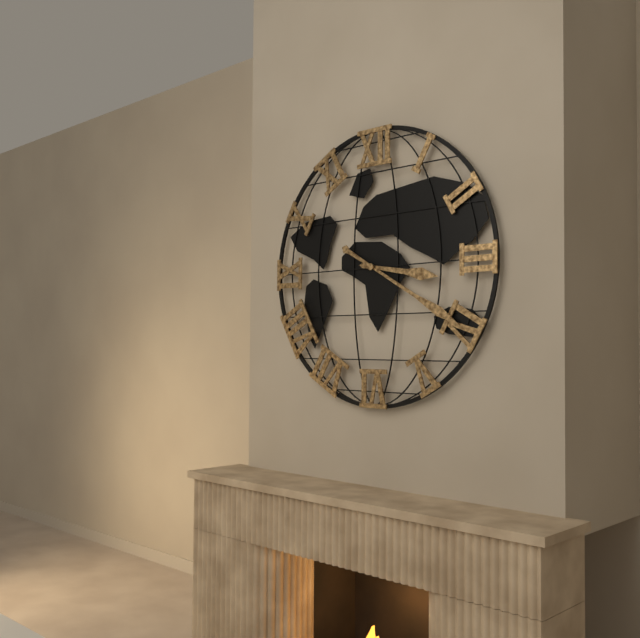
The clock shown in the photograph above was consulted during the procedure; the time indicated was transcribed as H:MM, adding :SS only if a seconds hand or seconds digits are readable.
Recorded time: 3:20
